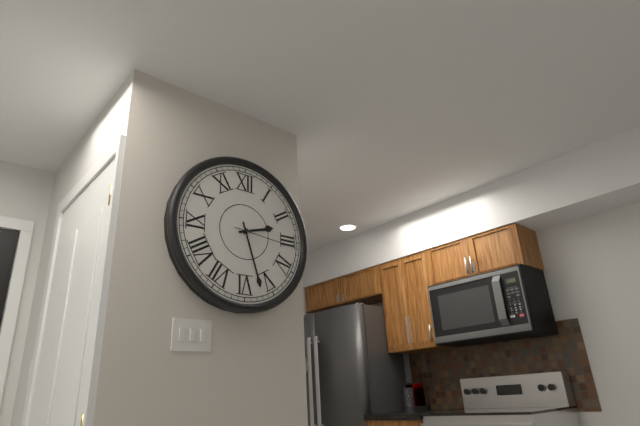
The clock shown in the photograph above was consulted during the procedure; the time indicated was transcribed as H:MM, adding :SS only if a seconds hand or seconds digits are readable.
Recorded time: 2:27:16
